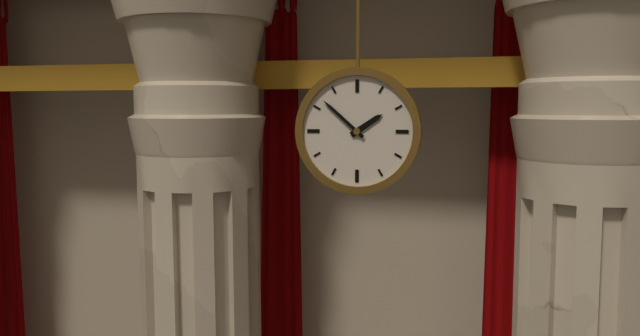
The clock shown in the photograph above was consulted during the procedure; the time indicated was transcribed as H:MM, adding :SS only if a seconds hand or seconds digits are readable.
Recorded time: 1:52
